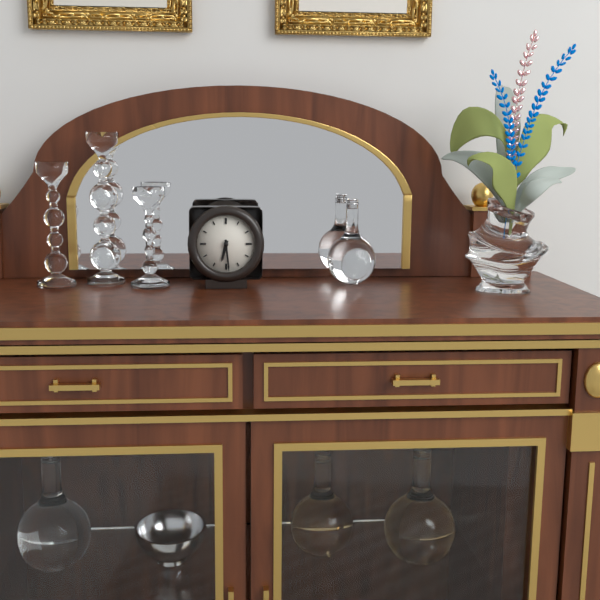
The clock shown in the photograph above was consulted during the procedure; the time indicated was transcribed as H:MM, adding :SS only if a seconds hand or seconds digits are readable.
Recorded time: 6:29
